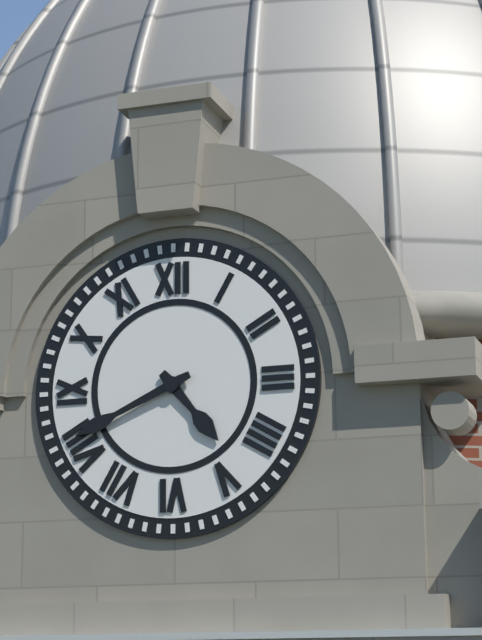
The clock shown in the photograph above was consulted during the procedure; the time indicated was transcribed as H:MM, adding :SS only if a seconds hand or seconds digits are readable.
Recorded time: 4:41
